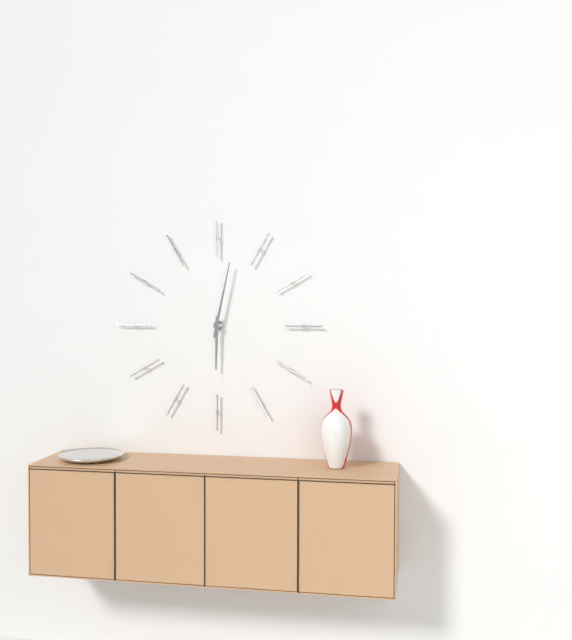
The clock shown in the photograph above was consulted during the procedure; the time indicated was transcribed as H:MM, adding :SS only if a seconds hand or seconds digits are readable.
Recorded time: 6:02
